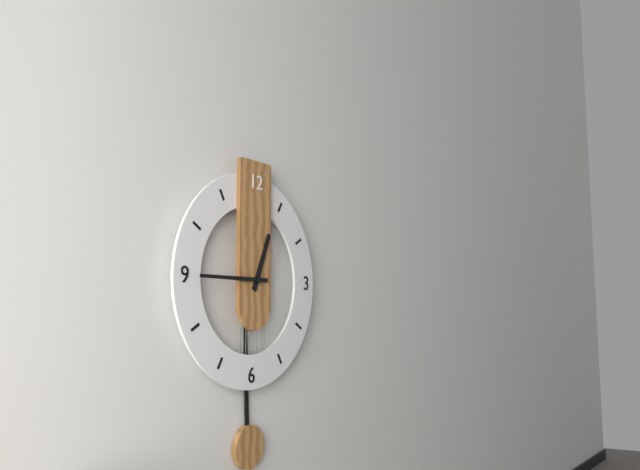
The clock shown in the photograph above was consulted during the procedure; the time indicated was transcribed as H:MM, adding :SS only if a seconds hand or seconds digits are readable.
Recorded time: 12:45
